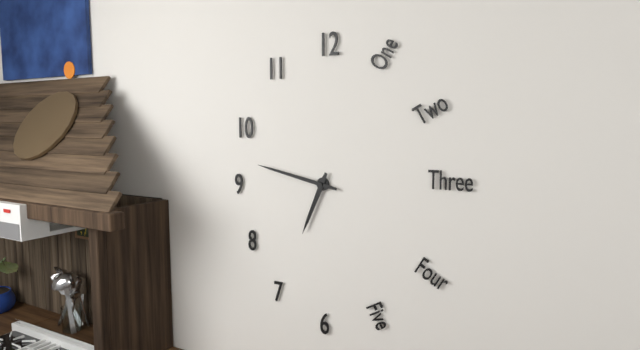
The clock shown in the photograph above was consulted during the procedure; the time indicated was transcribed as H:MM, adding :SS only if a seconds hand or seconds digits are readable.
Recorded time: 6:47
